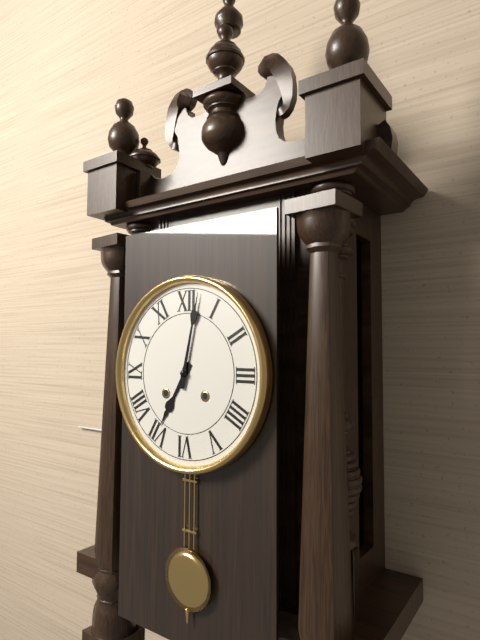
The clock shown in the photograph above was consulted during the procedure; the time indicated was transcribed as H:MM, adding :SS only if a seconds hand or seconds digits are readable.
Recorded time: 7:02
